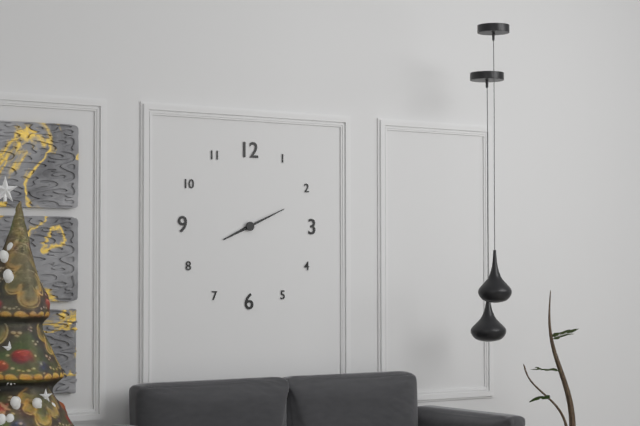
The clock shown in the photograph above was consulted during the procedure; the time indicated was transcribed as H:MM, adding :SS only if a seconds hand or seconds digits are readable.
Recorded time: 8:11
